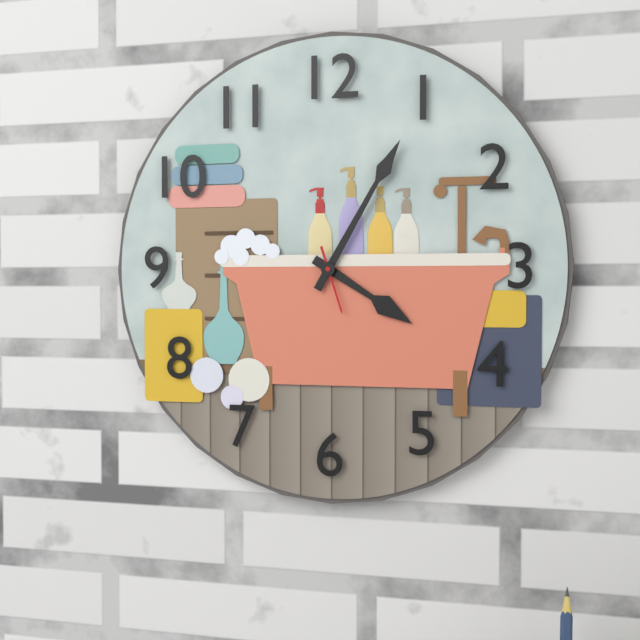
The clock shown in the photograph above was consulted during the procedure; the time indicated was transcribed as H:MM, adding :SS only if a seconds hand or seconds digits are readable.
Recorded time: 4:05:27
